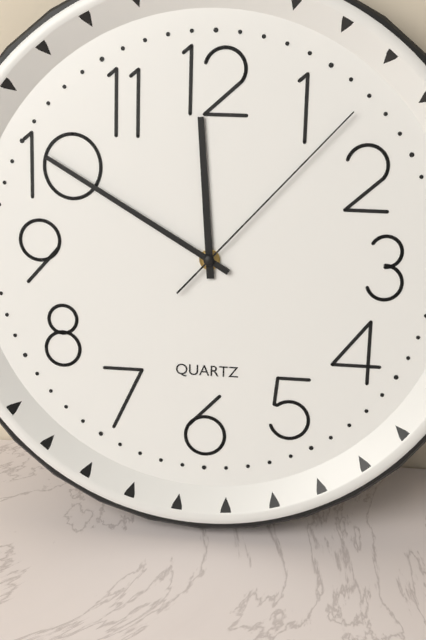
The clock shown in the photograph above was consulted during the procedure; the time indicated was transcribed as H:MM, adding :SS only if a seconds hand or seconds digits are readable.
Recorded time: 11:50:07
